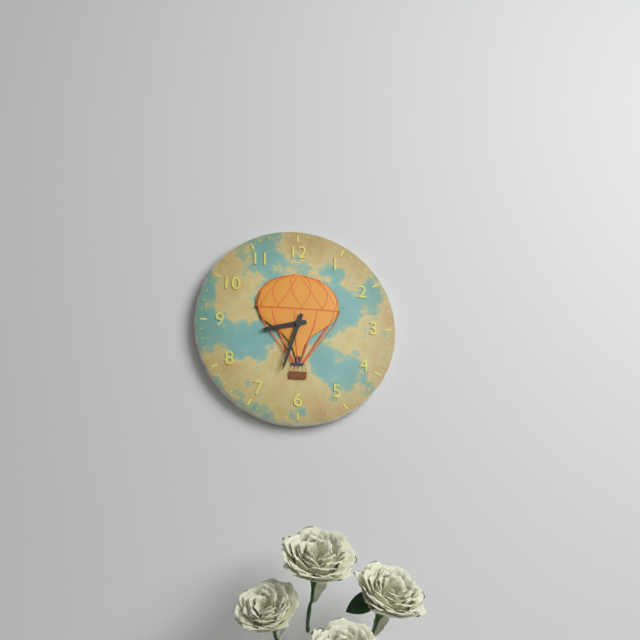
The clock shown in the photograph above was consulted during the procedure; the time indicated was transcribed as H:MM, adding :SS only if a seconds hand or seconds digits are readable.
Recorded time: 8:33
